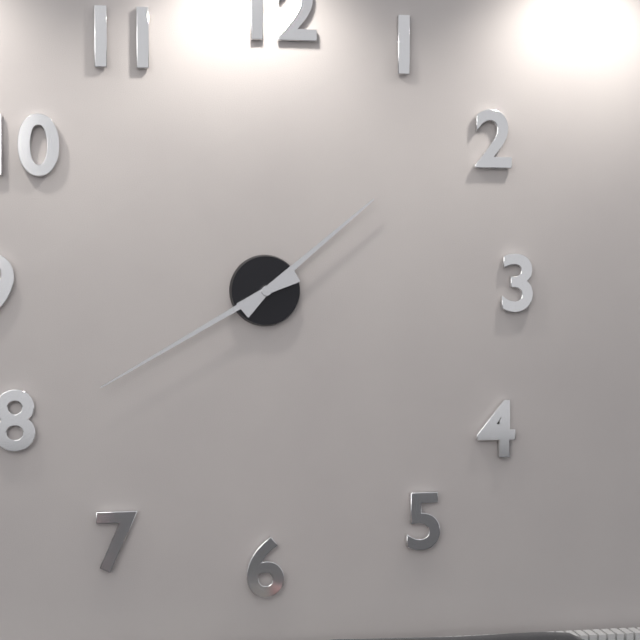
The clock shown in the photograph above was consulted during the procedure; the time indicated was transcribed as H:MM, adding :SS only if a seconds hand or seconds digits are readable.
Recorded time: 1:40
